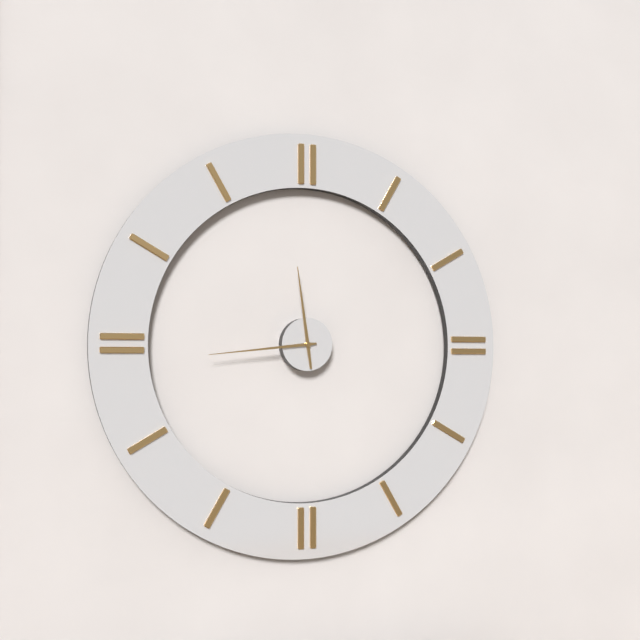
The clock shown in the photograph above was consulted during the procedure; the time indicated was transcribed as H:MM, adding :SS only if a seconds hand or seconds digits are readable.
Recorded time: 11:44
